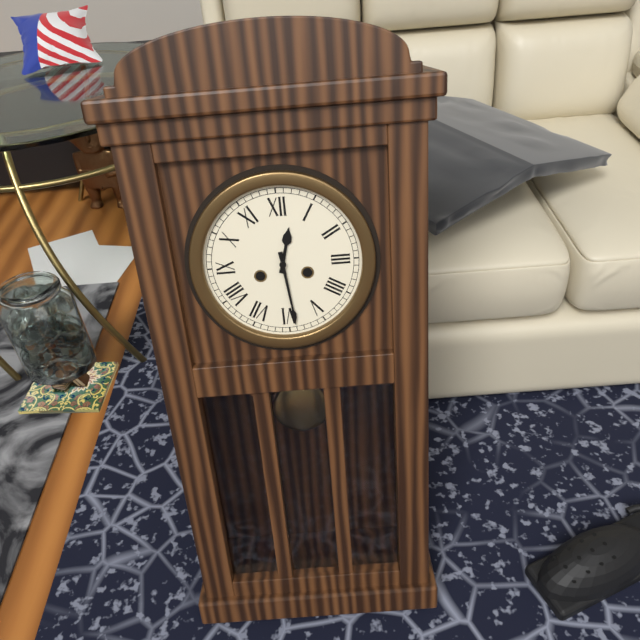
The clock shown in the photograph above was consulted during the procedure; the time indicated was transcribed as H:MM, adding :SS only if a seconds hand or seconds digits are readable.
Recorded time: 12:29
